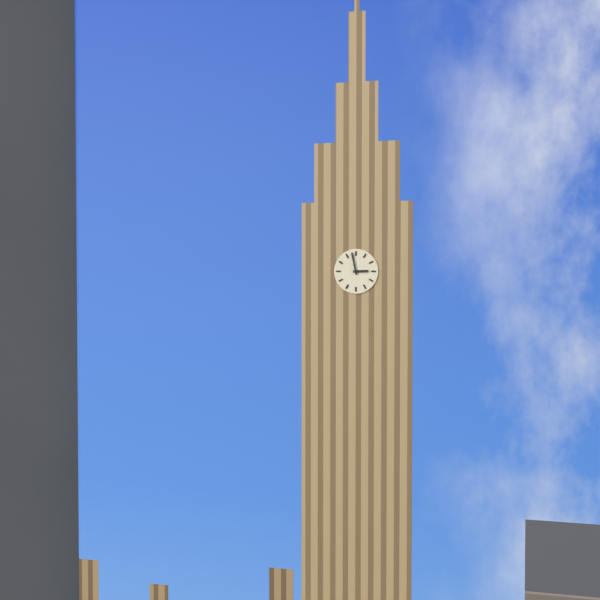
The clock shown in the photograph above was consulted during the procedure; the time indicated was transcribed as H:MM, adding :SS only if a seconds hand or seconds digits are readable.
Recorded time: 2:58
